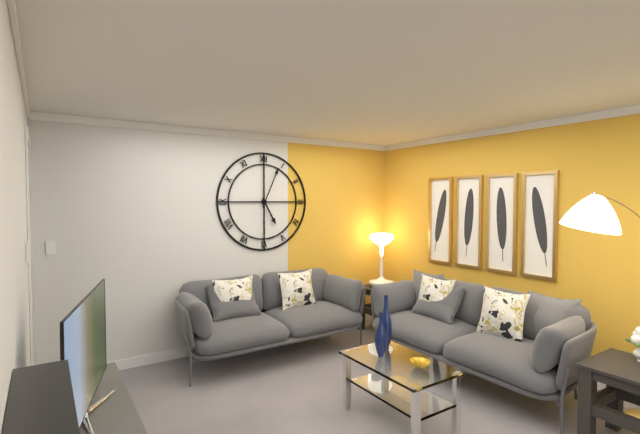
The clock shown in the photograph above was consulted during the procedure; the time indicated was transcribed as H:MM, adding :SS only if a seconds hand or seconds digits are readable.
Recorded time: 5:04
